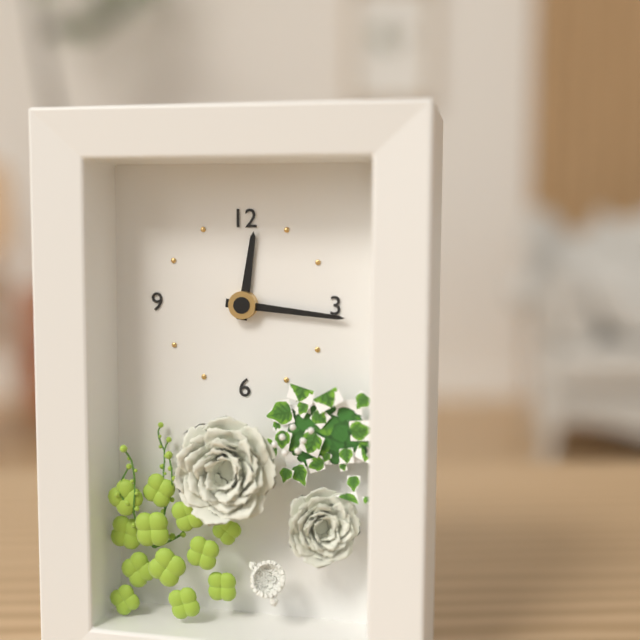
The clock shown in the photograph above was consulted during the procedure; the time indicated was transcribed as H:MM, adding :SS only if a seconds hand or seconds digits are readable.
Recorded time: 12:16
